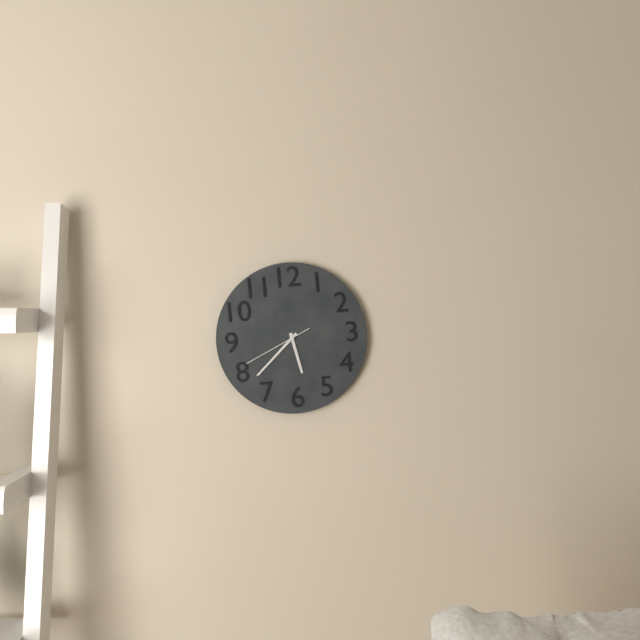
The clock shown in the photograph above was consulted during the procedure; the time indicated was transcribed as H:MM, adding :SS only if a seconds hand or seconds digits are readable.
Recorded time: 5:38:41
